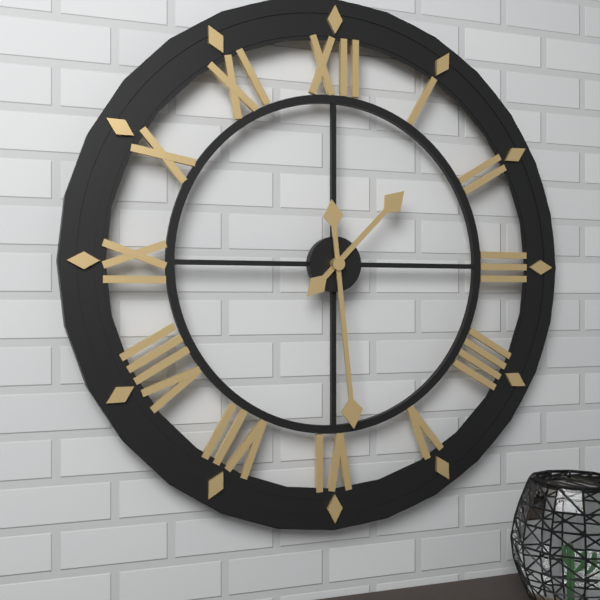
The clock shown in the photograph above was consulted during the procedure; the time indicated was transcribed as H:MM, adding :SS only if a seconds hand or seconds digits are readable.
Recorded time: 1:29
